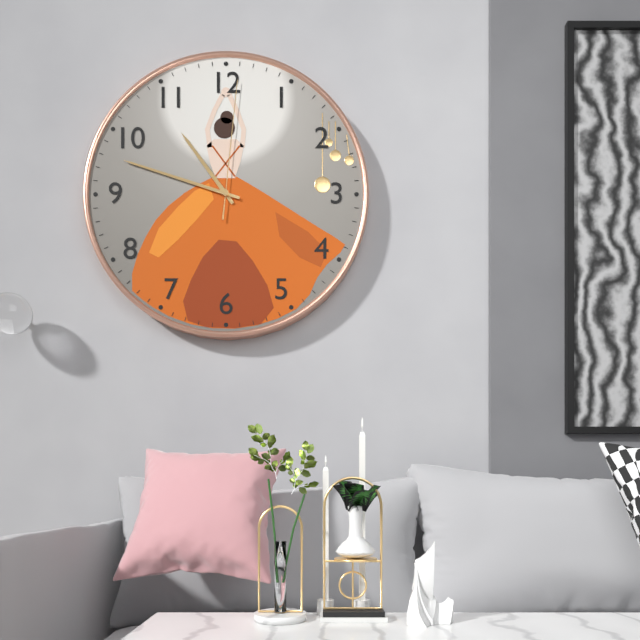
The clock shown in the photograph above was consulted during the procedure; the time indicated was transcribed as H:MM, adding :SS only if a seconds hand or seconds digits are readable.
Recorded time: 10:48:01
